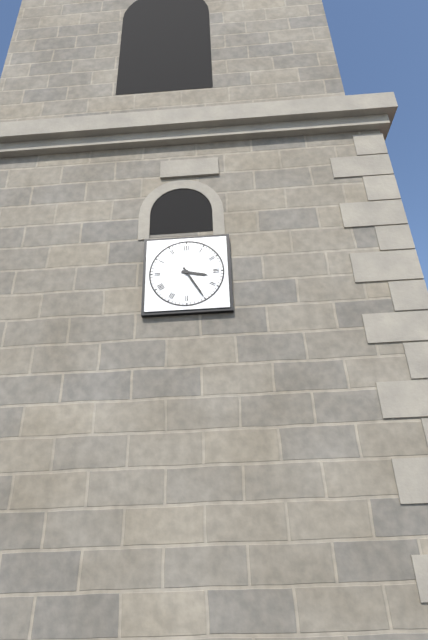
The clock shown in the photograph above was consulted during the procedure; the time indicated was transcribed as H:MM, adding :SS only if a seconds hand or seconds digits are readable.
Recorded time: 3:25
